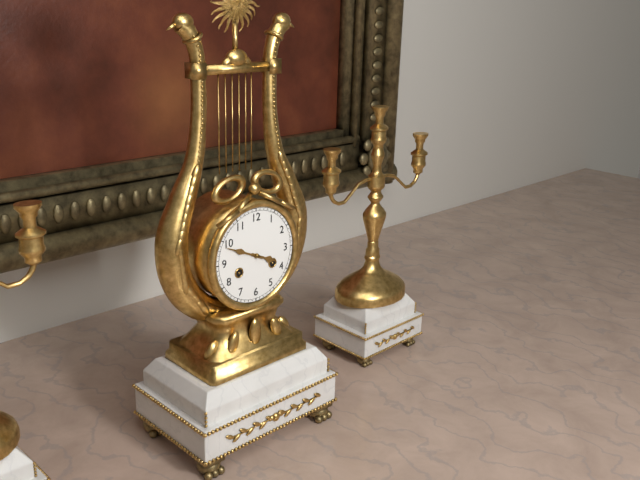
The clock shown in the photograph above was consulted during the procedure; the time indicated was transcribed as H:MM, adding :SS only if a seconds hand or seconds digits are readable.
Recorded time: 3:49
